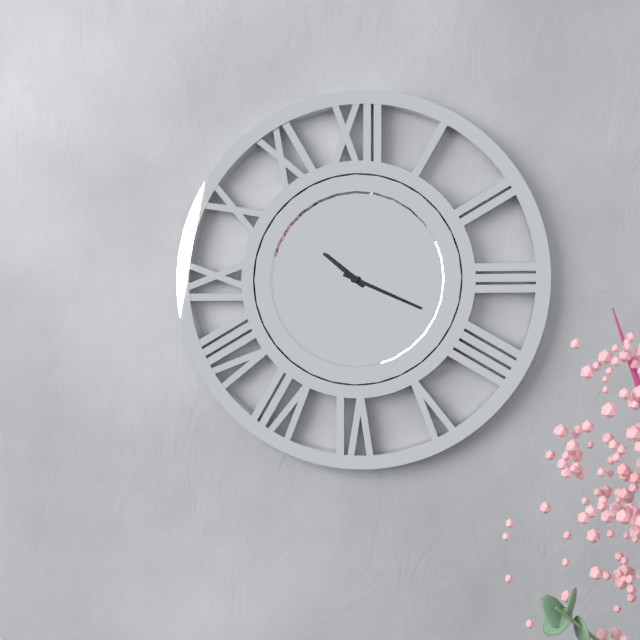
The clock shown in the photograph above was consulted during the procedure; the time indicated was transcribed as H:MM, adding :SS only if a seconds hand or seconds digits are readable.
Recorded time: 10:19
